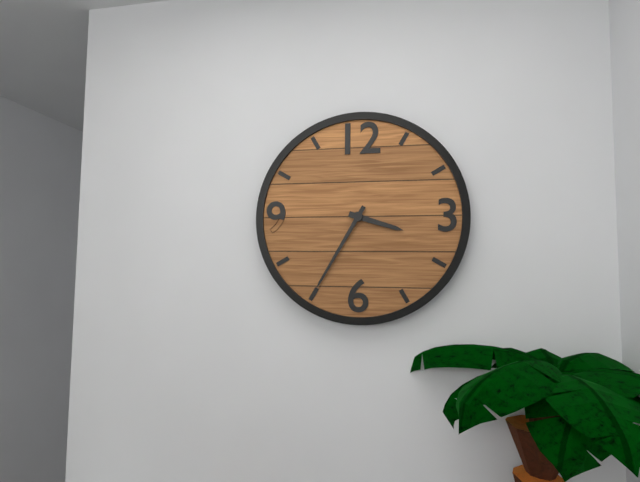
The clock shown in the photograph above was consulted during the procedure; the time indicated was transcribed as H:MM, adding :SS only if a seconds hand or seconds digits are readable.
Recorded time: 3:35
